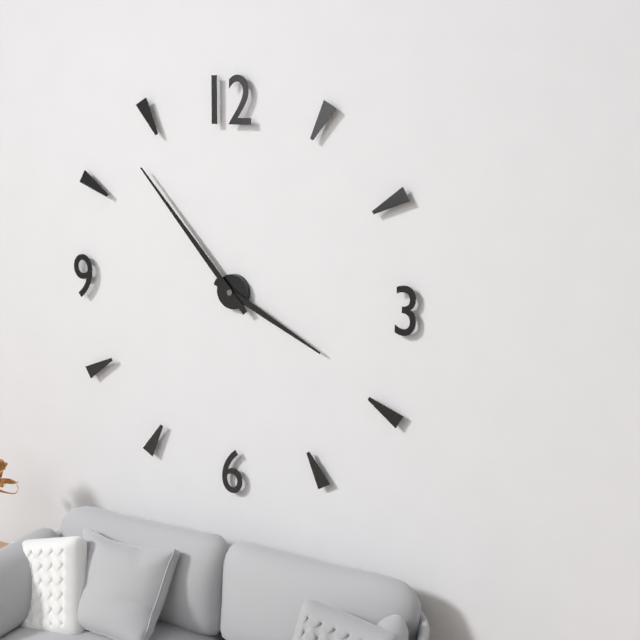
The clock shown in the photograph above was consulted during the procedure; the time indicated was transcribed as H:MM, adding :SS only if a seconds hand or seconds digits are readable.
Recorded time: 3:53
